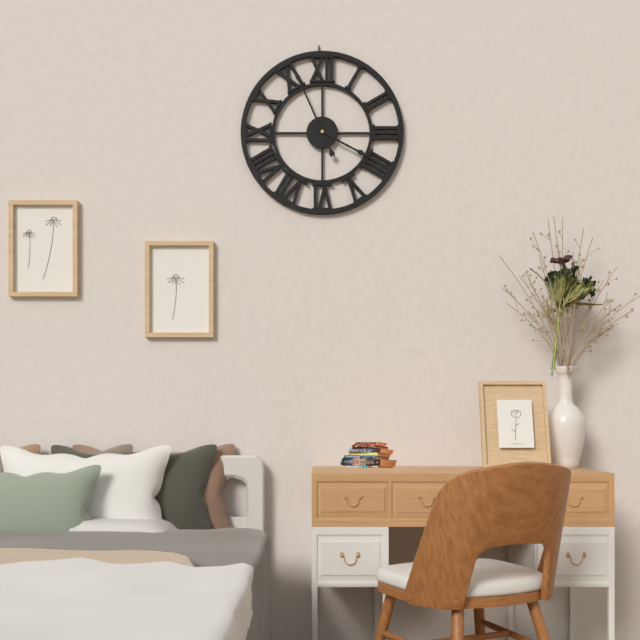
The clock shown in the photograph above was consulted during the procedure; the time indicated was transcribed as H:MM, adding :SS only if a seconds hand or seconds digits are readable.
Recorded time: 3:56
